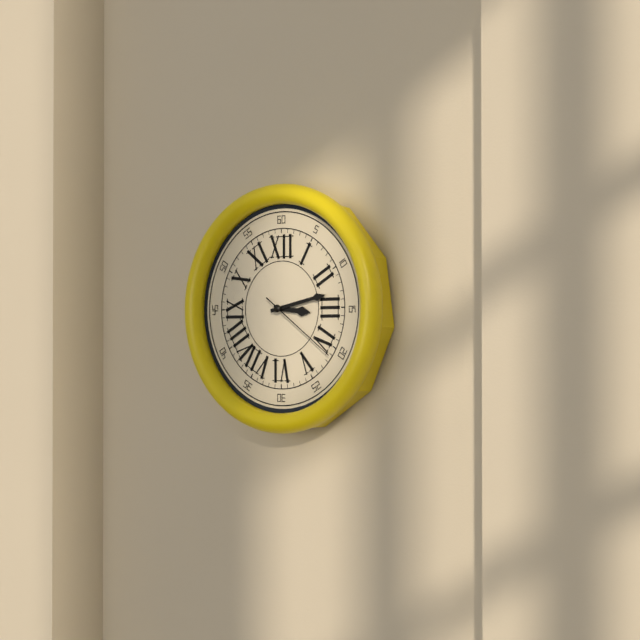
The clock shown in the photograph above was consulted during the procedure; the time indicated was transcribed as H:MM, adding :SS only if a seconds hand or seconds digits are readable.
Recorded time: 3:13:21
